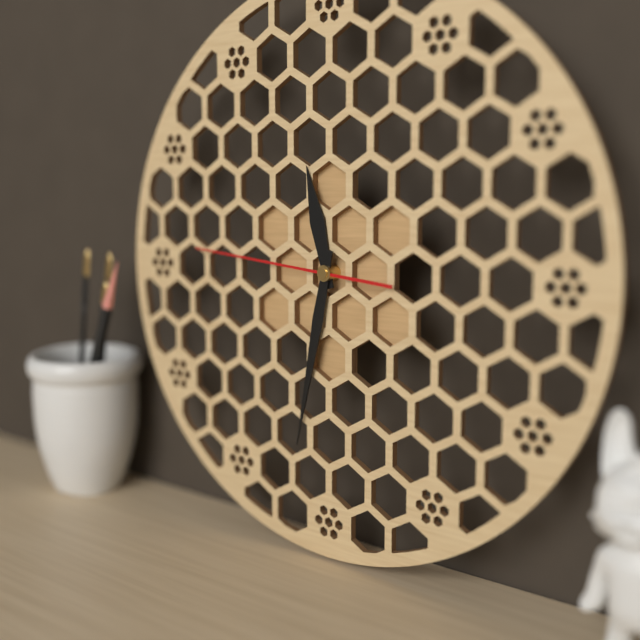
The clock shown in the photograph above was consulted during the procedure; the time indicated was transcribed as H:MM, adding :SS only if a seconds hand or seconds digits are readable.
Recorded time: 11:32:46
